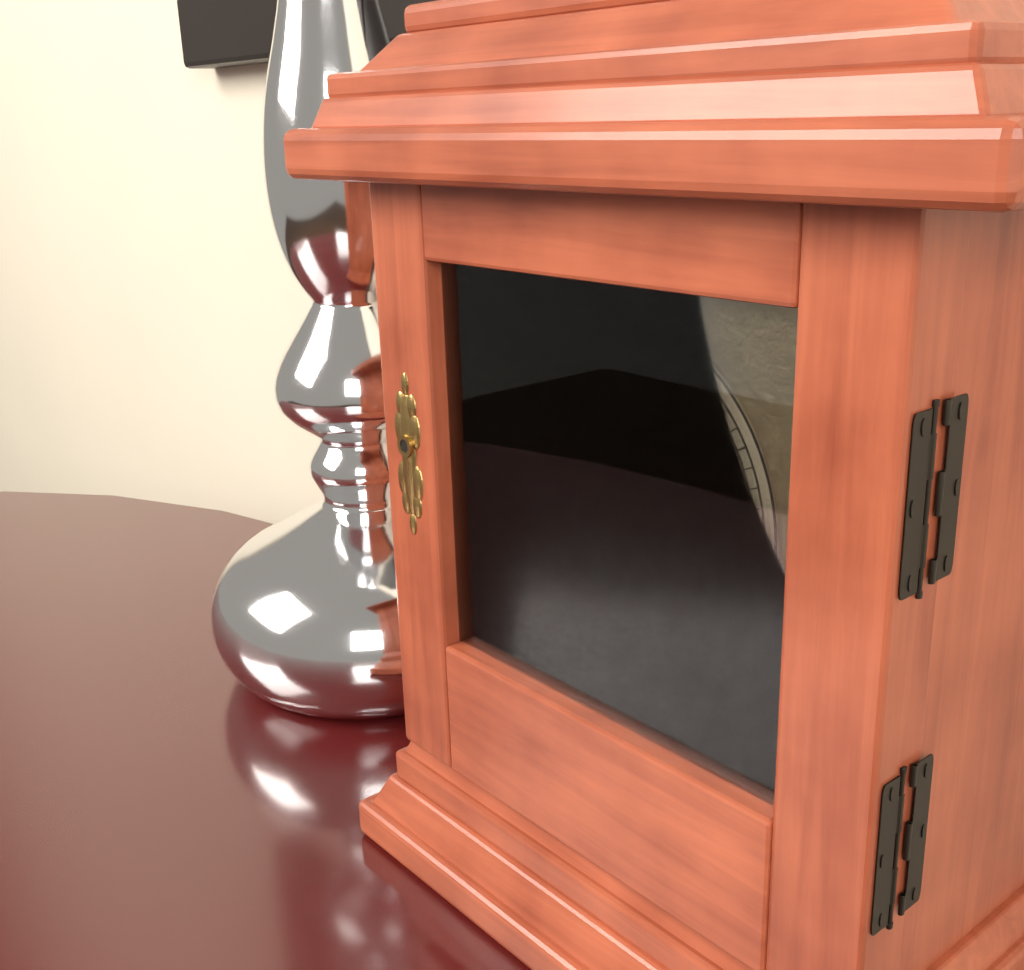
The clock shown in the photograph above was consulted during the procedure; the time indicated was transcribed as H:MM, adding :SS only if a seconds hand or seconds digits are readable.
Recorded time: 4:06
